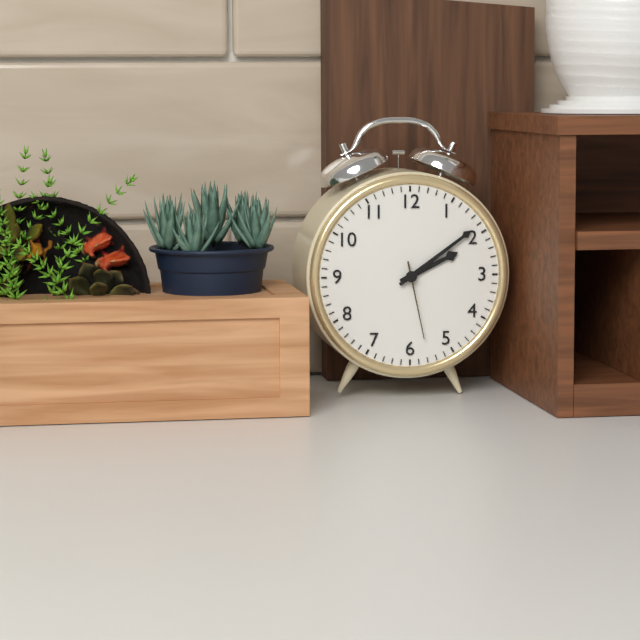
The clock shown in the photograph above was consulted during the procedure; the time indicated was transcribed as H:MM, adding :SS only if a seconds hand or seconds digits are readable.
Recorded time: 2:09:28
